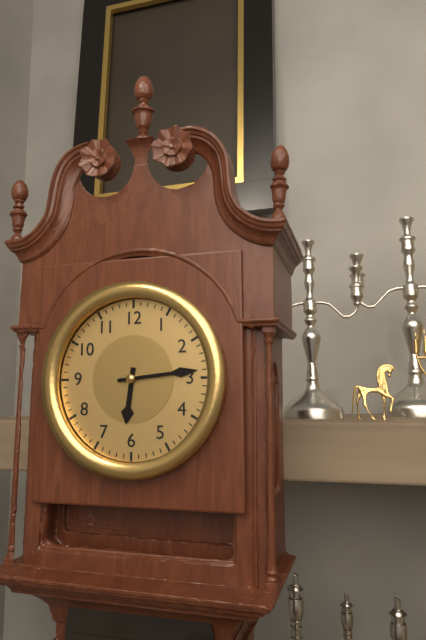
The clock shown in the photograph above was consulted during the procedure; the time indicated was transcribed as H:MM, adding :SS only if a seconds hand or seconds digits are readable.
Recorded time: 6:14
